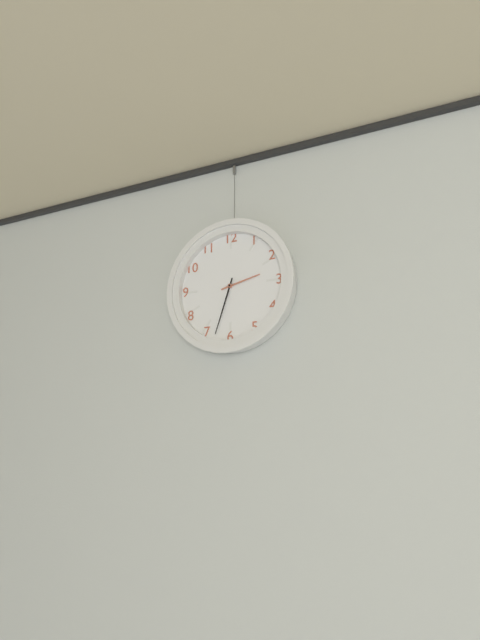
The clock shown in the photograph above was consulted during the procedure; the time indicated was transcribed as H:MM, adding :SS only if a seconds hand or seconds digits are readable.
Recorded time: 2:33
